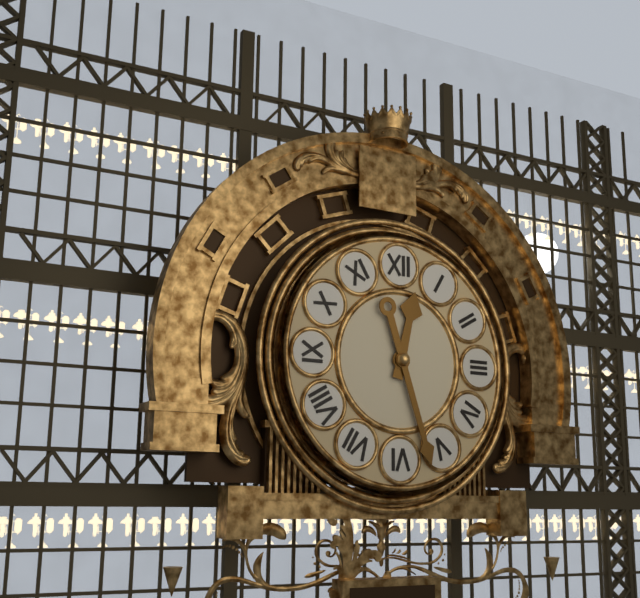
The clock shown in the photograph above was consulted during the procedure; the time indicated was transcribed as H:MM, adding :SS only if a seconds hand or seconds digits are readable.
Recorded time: 12:27
